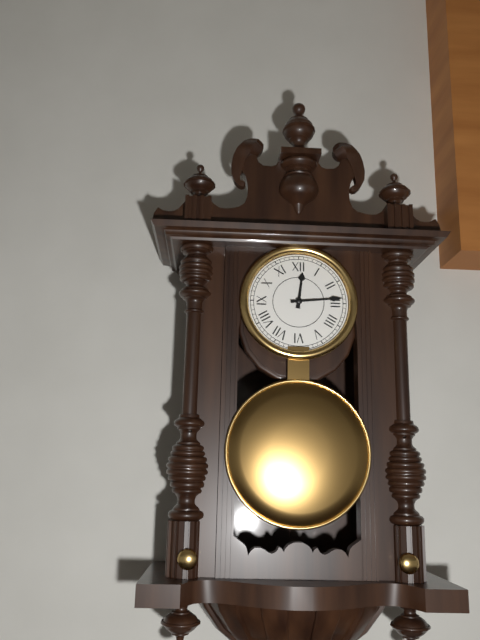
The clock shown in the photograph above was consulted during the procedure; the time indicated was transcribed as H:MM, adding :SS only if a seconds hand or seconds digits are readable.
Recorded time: 12:14
